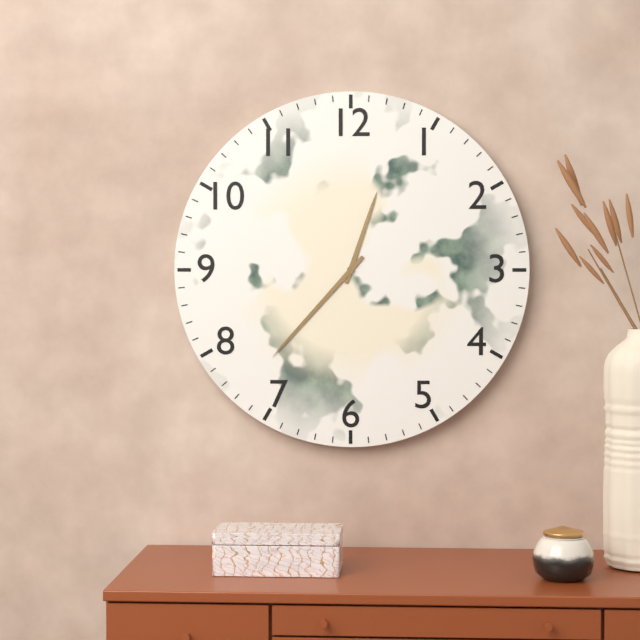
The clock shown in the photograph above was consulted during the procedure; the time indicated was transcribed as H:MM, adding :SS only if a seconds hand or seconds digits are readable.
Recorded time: 12:37
